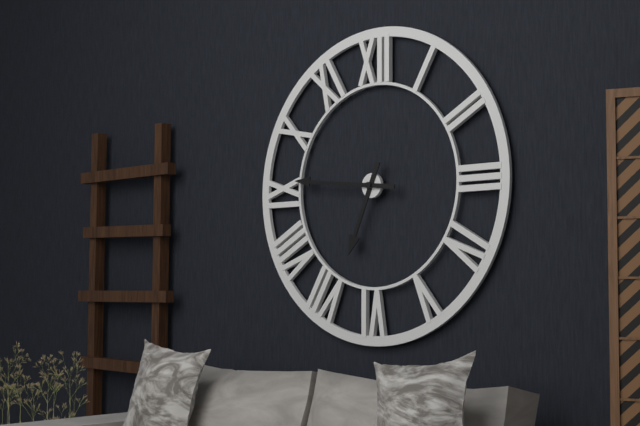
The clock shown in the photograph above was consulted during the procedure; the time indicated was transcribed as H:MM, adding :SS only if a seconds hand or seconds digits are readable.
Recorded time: 6:46
